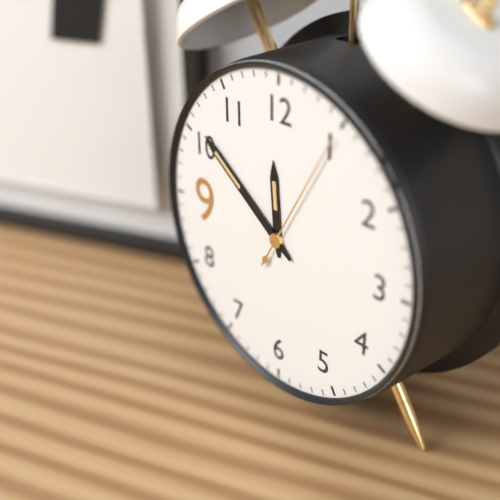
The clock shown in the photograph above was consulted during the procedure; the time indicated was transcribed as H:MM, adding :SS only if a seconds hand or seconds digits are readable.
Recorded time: 11:51:05
